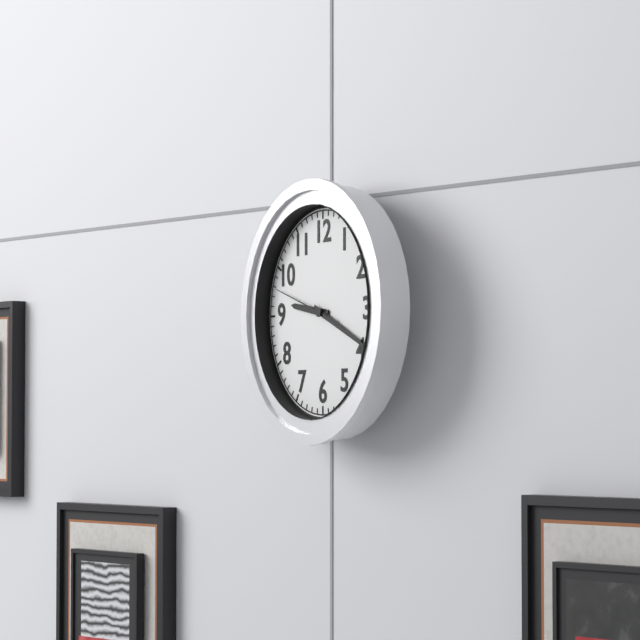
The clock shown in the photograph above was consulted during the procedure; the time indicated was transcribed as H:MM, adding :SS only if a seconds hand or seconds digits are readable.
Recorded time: 9:19:48
